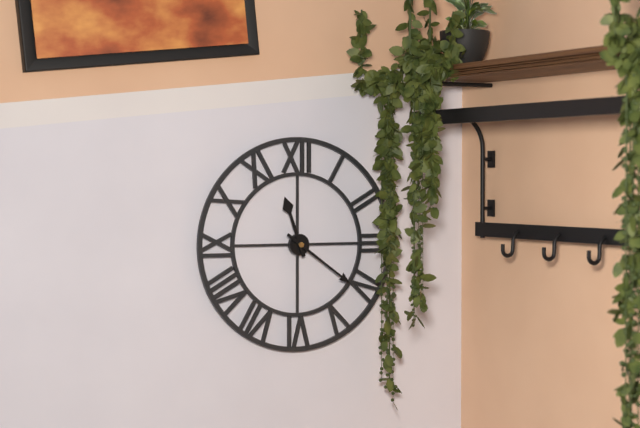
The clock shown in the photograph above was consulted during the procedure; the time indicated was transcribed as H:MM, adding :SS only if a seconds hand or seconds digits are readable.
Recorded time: 11:21
